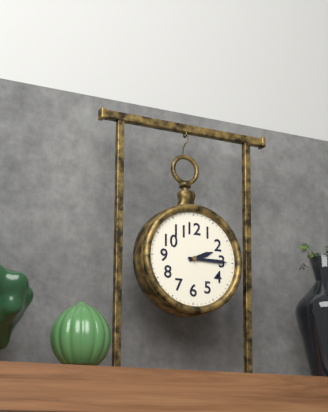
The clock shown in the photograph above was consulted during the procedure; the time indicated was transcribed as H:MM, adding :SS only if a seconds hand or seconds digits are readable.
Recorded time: 2:15
